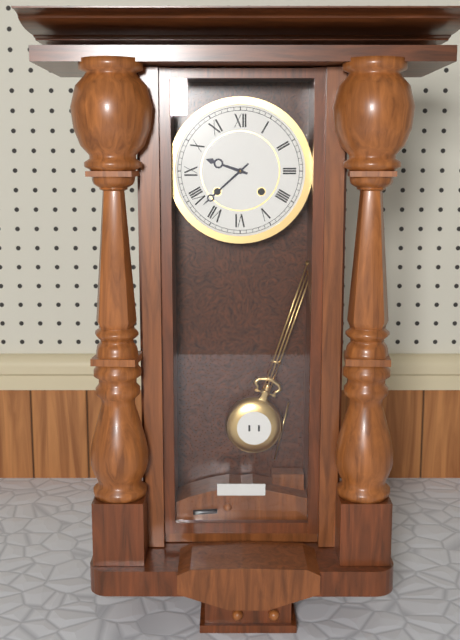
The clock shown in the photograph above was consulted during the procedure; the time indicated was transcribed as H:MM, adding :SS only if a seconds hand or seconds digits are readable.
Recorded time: 9:38
